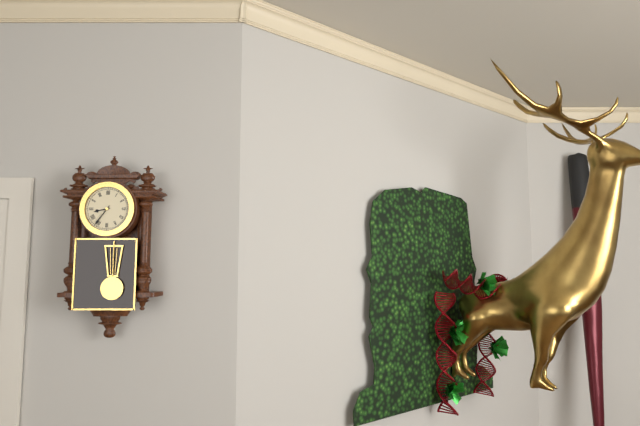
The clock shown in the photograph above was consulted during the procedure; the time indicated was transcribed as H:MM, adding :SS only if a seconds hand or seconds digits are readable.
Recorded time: 8:36
